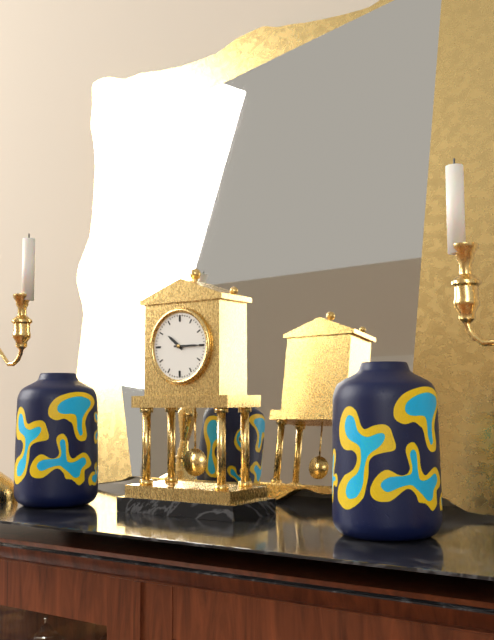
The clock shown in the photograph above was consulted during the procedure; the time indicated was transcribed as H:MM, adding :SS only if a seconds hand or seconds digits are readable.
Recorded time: 10:15
